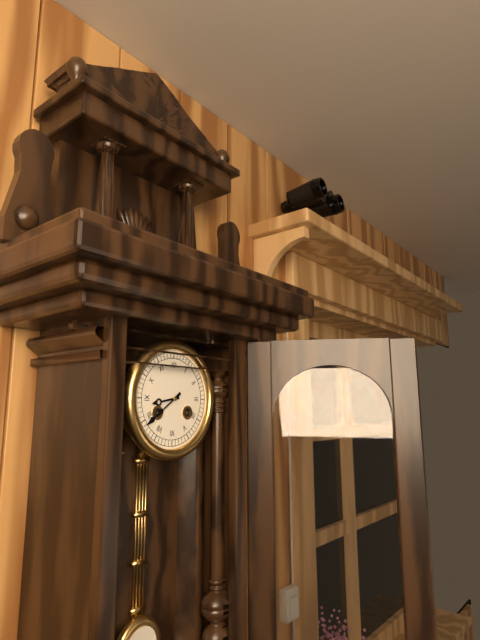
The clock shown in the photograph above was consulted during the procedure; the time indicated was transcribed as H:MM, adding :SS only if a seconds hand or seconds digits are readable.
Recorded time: 8:39
